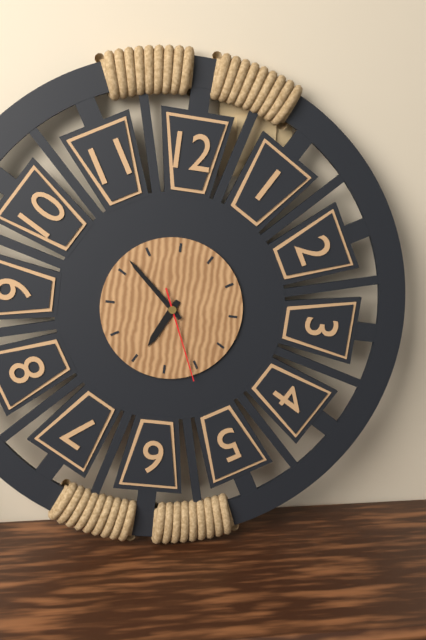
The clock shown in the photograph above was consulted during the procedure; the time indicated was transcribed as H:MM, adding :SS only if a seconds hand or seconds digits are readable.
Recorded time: 6:52:26
